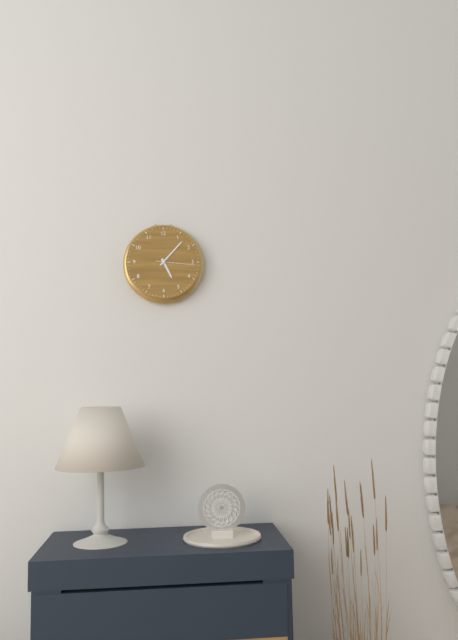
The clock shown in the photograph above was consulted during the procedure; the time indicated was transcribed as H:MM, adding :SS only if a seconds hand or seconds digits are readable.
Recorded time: 5:07
